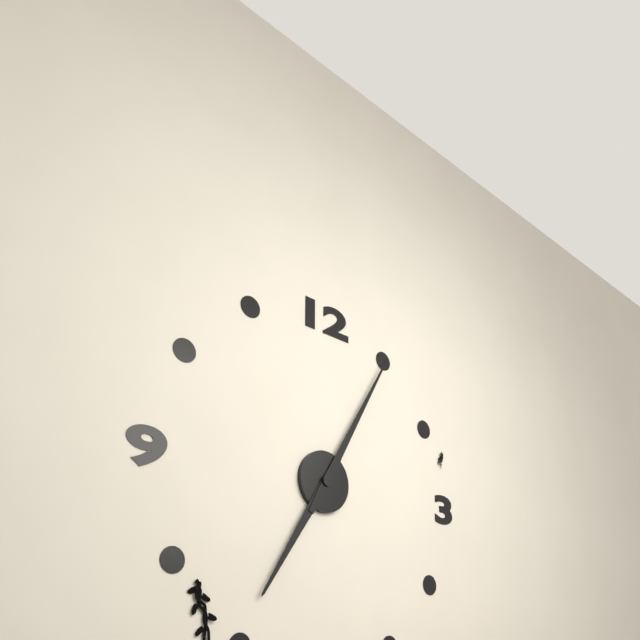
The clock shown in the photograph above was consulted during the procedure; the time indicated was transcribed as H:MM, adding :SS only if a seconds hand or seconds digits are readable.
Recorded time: 7:05
